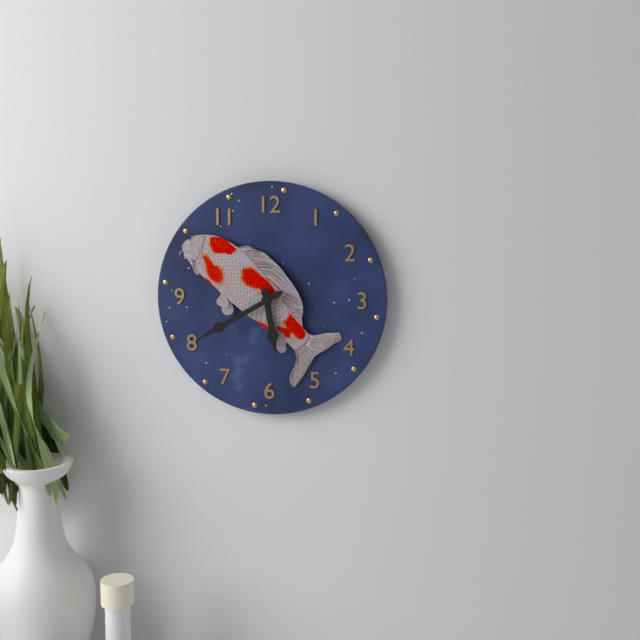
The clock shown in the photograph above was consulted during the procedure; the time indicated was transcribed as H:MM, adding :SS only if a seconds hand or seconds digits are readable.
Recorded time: 5:40
